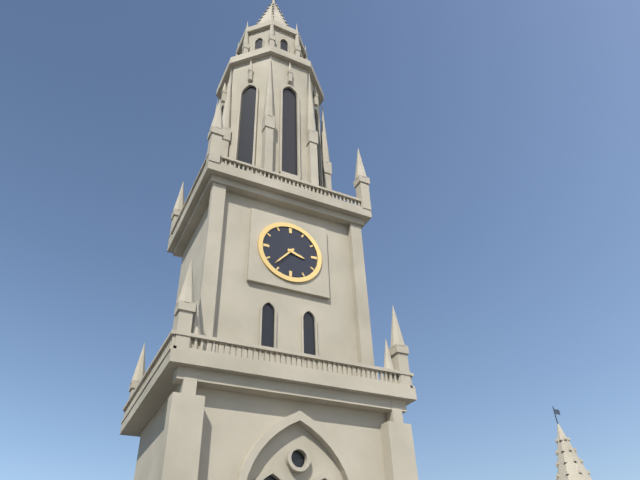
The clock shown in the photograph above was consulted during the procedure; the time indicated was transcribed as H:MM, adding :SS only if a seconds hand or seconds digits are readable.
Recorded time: 3:37
